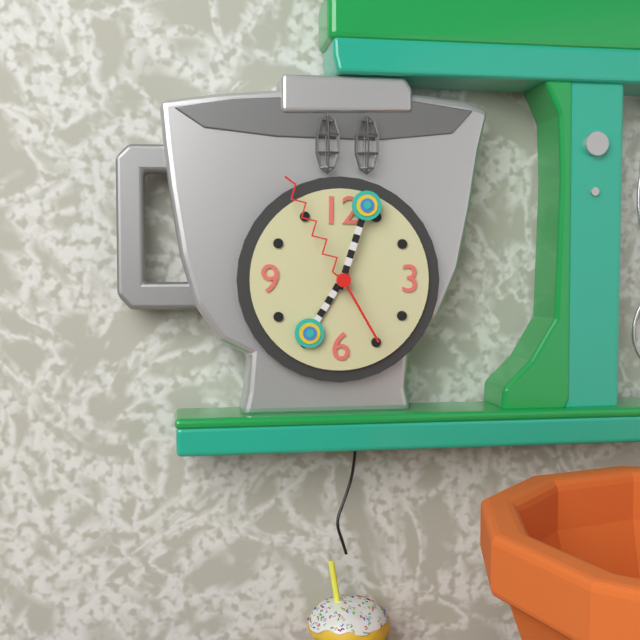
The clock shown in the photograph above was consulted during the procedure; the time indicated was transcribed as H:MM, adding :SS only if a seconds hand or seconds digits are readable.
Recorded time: 7:03:55
